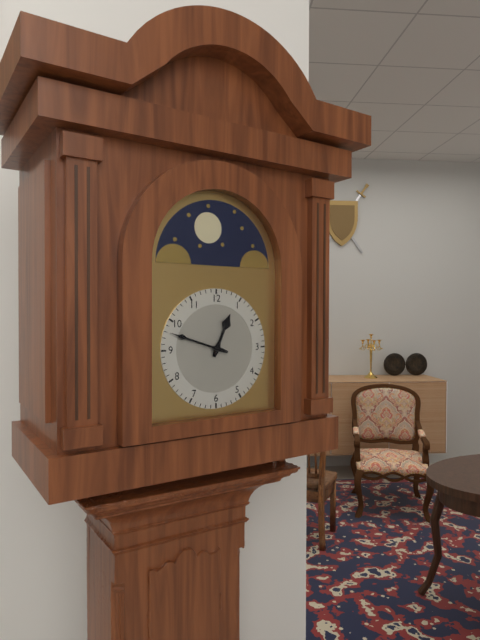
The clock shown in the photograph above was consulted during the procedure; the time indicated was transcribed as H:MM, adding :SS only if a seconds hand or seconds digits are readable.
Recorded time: 12:48
